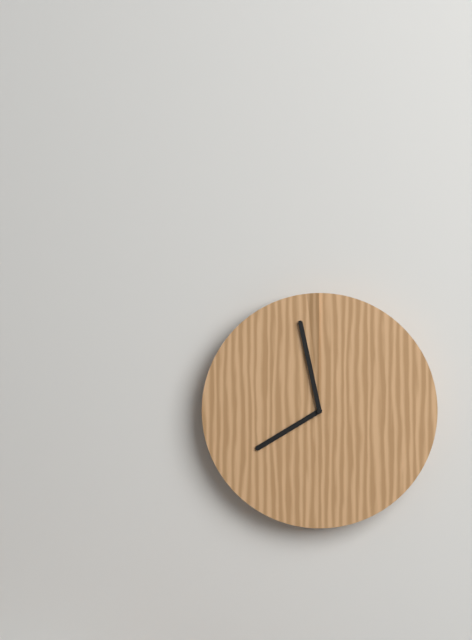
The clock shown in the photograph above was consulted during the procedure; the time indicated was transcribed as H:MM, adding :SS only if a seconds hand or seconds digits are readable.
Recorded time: 7:58
